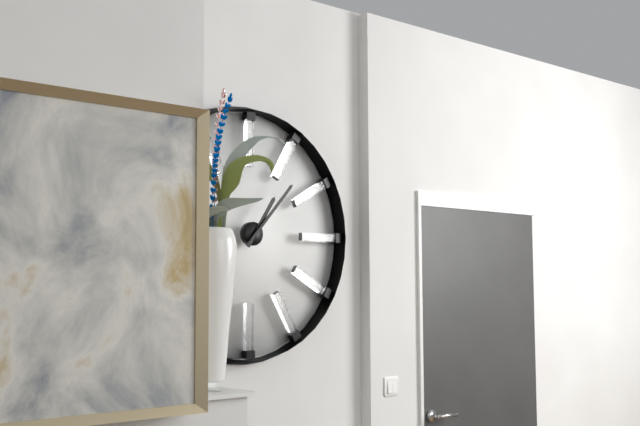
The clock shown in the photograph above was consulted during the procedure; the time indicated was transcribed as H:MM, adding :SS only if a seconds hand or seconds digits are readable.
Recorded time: 1:07
